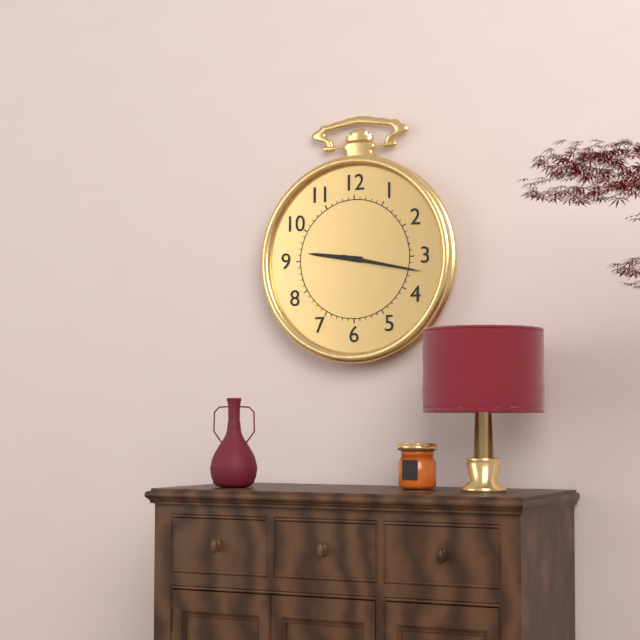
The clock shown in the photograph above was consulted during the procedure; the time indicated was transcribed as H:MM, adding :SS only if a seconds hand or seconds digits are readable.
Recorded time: 9:17
